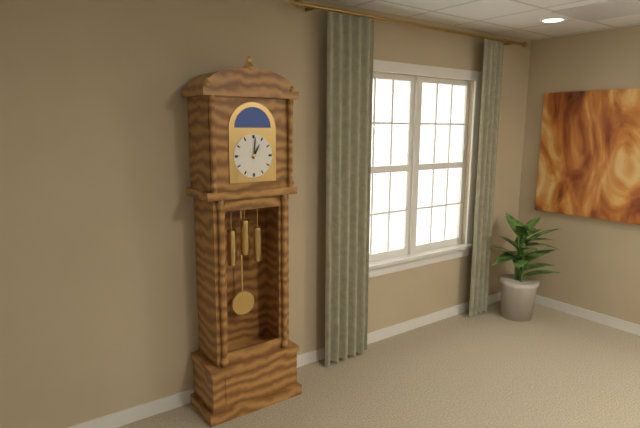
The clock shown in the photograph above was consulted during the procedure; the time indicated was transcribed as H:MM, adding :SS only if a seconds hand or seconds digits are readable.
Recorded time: 1:01
